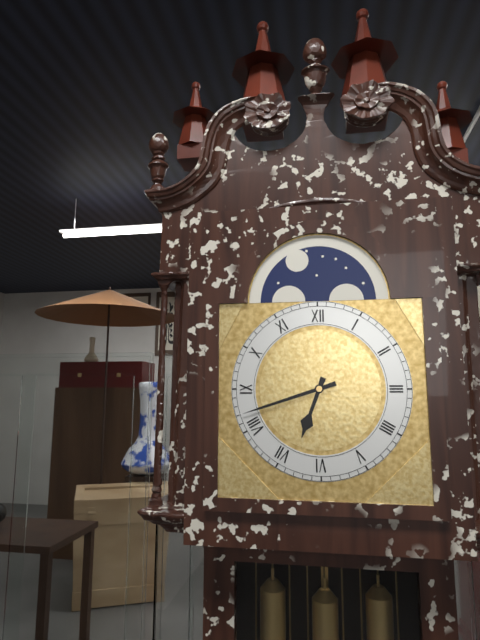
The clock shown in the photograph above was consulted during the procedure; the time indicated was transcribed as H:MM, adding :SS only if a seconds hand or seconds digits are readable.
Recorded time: 6:42
